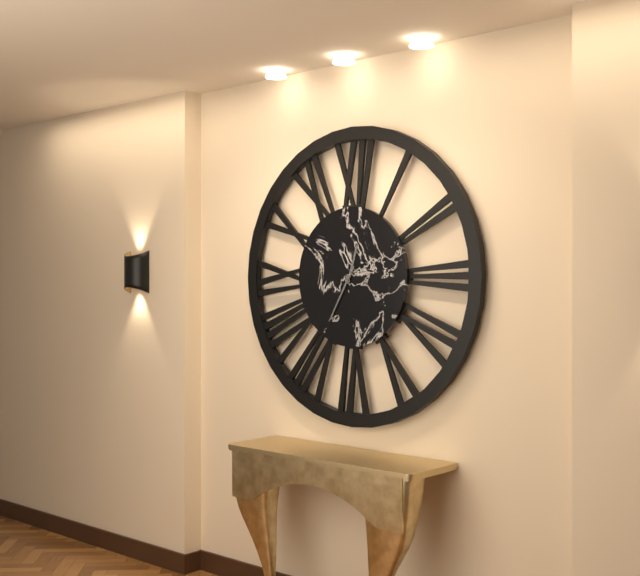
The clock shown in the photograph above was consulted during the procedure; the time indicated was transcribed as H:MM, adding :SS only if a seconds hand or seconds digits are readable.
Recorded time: 12:35
